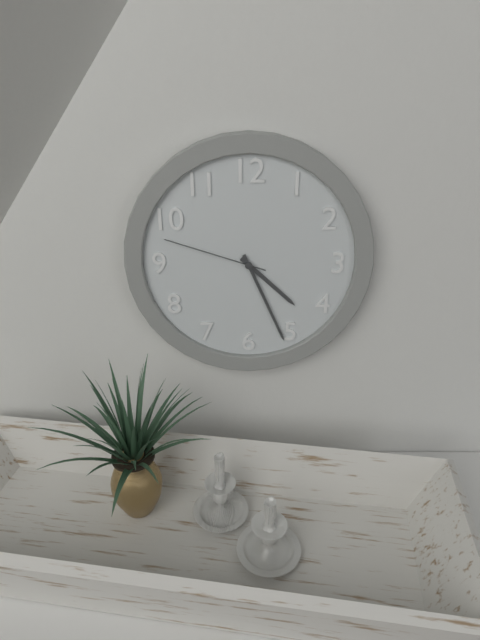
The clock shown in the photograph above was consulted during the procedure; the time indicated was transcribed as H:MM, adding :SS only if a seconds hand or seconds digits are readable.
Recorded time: 4:26:48
